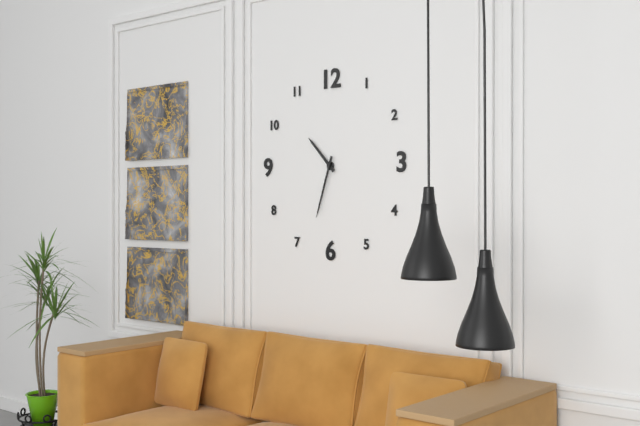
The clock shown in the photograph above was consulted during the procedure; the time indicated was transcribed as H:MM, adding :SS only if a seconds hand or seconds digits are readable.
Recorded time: 10:33
